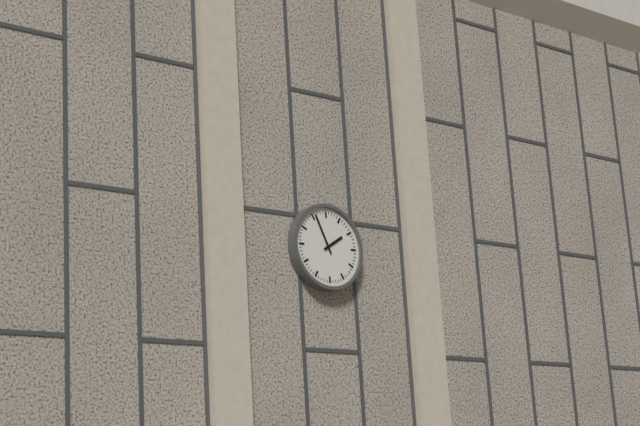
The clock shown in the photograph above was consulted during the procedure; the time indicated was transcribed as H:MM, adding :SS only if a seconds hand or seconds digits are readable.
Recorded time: 1:56
